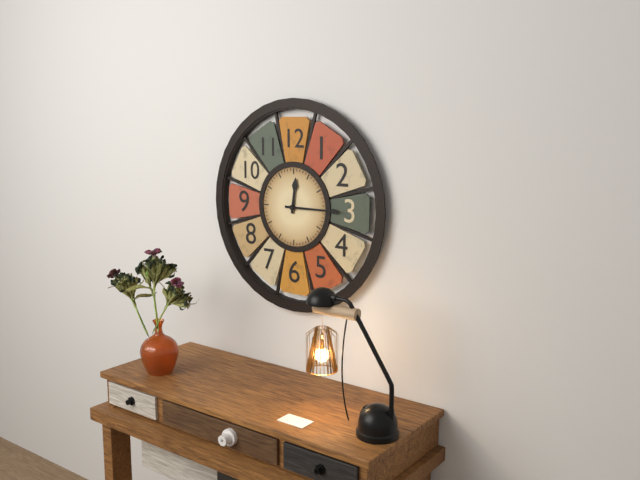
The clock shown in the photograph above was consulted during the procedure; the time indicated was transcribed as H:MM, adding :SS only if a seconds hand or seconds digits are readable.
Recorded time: 12:15
